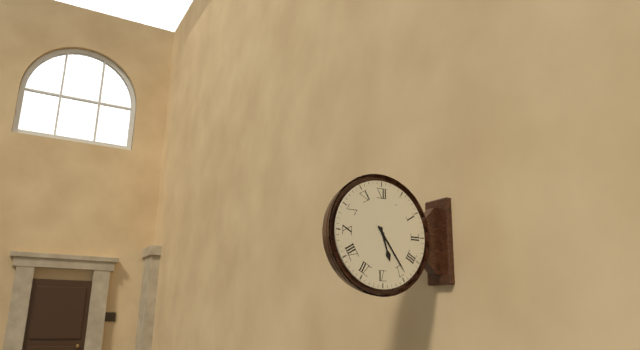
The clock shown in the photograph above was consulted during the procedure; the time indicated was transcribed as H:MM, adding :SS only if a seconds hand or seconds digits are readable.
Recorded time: 5:24
